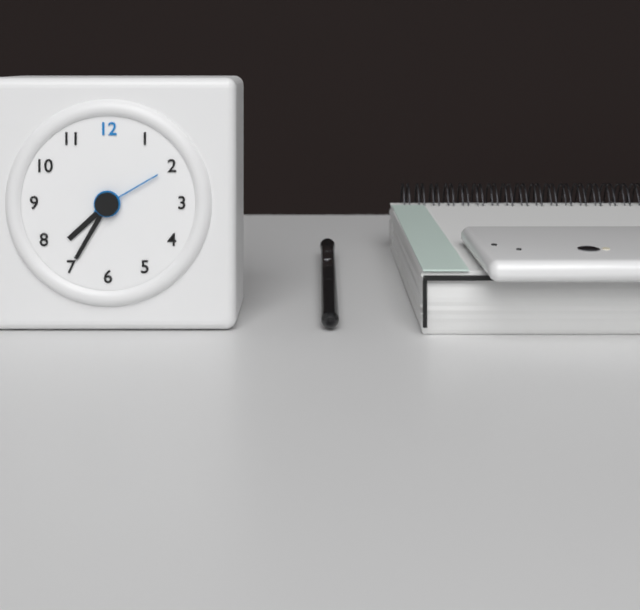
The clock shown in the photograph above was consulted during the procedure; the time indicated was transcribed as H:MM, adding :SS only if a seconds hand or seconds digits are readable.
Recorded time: 7:35:10
